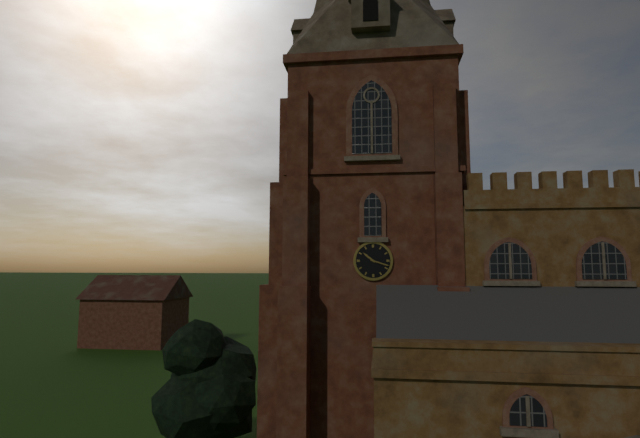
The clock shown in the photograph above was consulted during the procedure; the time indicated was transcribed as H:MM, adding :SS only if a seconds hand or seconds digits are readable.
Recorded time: 10:18
